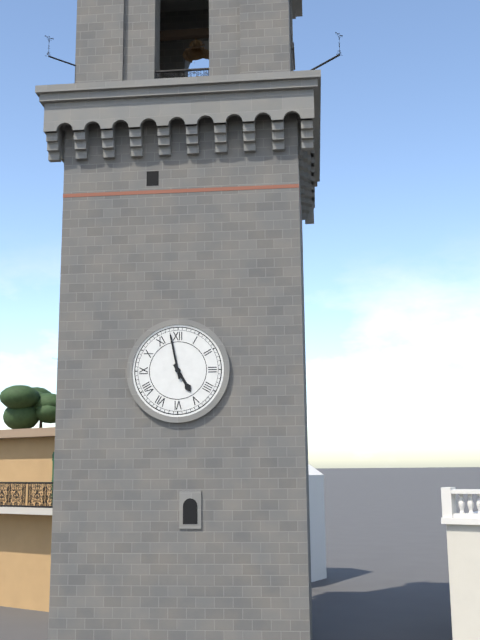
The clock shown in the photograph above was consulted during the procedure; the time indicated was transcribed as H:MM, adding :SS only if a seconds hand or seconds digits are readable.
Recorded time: 4:58
